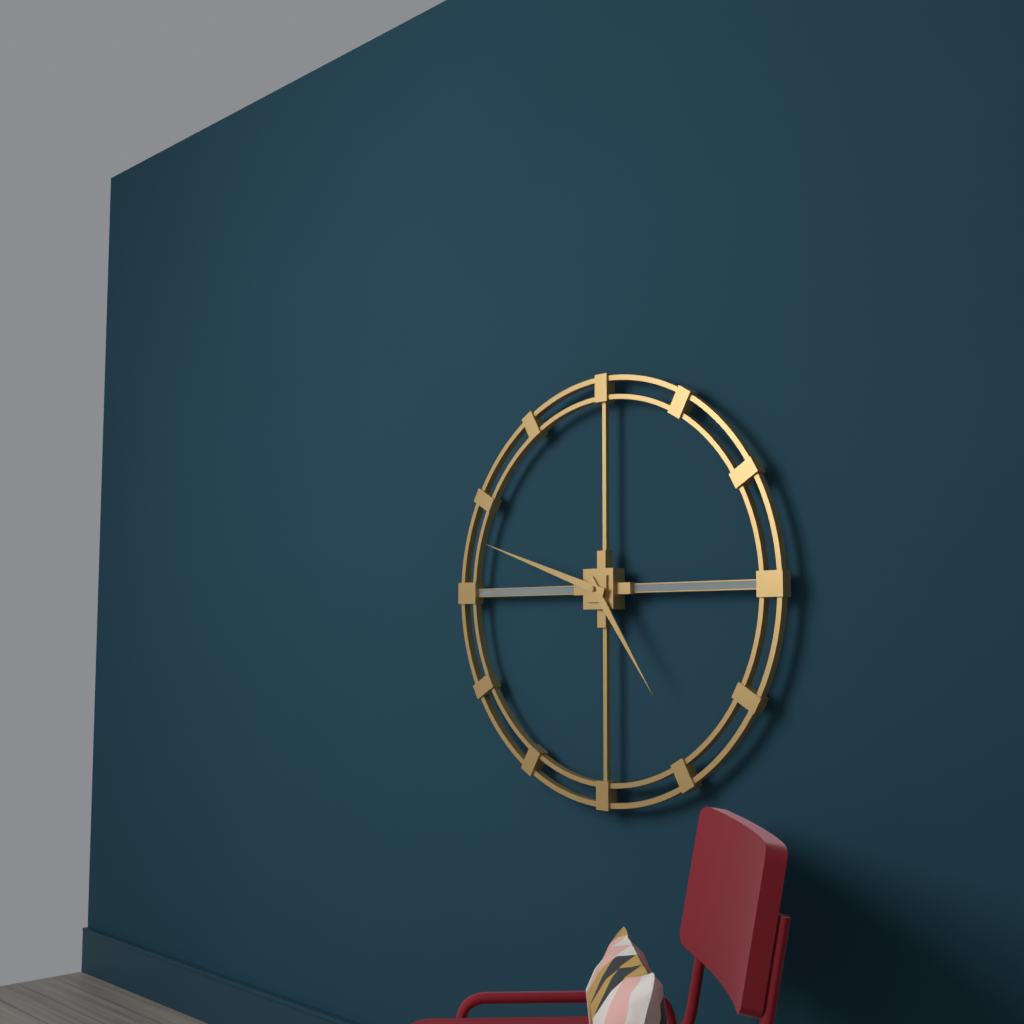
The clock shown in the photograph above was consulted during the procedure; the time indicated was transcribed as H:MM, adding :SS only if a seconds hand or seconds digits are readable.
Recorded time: 4:48
